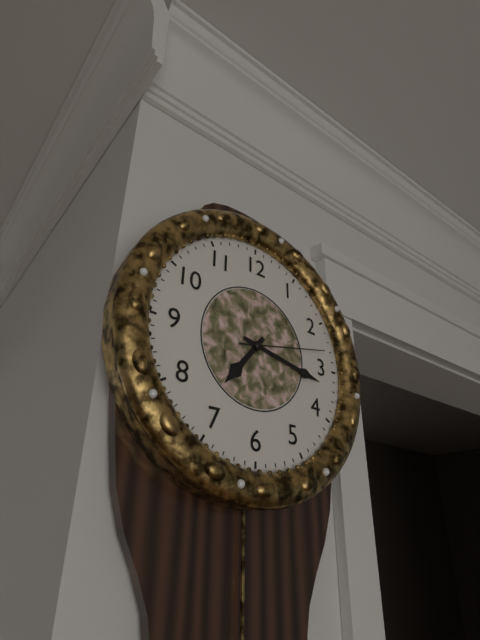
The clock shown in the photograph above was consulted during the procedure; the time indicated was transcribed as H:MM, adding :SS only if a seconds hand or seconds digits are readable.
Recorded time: 7:17:13
